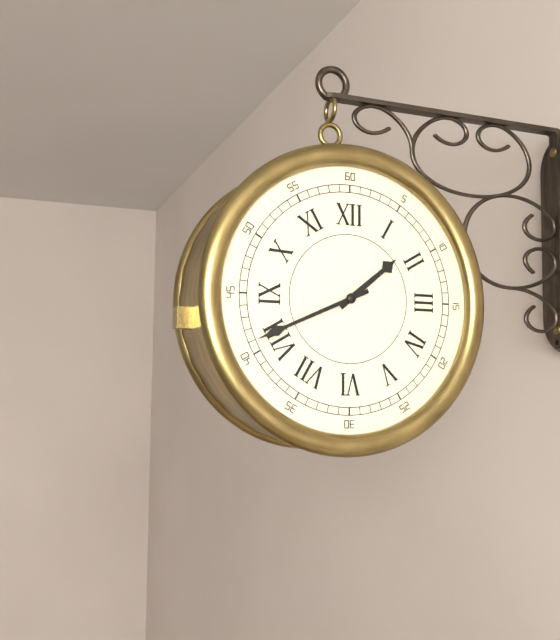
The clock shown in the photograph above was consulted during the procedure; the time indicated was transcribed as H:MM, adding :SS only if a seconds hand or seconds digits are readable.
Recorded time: 1:41
